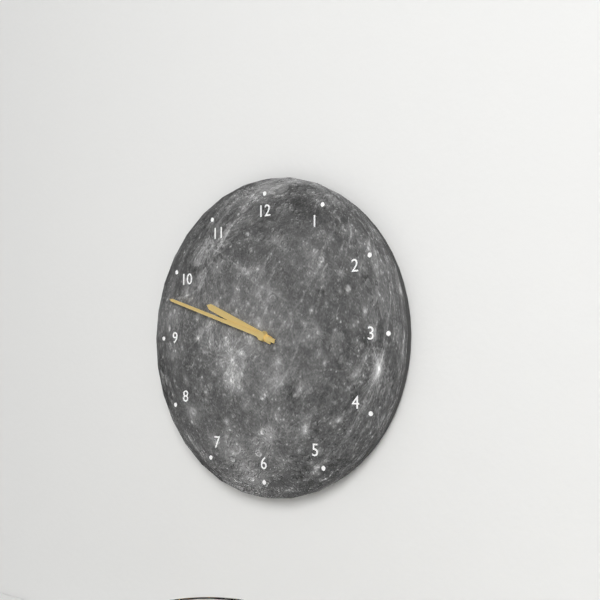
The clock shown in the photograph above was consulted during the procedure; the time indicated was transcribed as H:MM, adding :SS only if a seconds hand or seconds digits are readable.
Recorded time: 9:48
